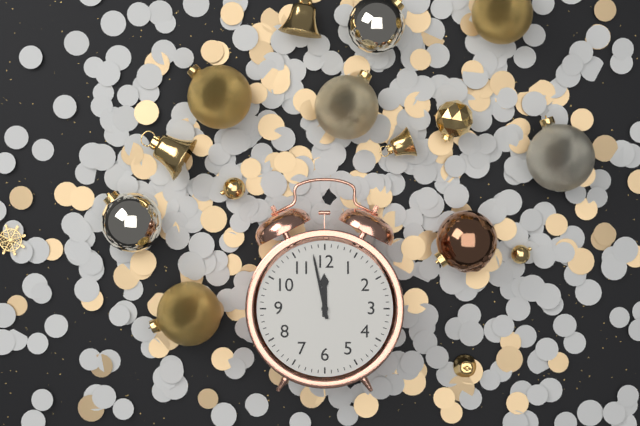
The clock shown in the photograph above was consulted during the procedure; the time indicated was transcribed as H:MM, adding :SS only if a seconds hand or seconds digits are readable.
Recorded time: 11:58
